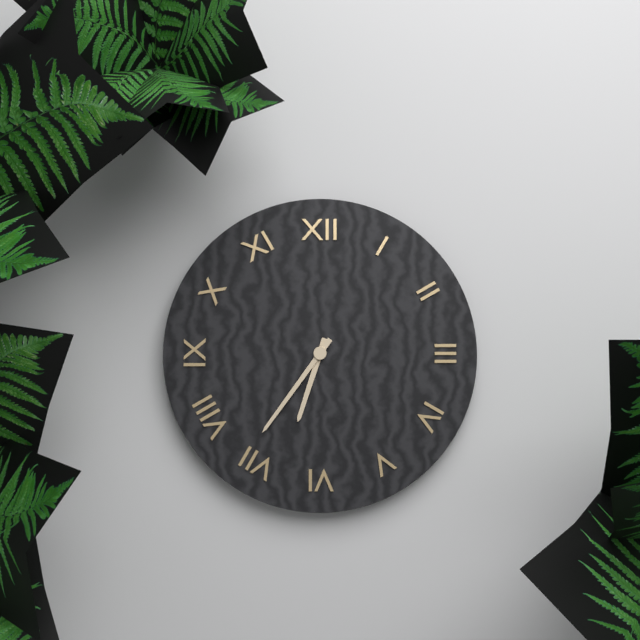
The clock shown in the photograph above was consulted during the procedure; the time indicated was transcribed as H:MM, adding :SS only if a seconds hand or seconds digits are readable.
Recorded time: 6:36
